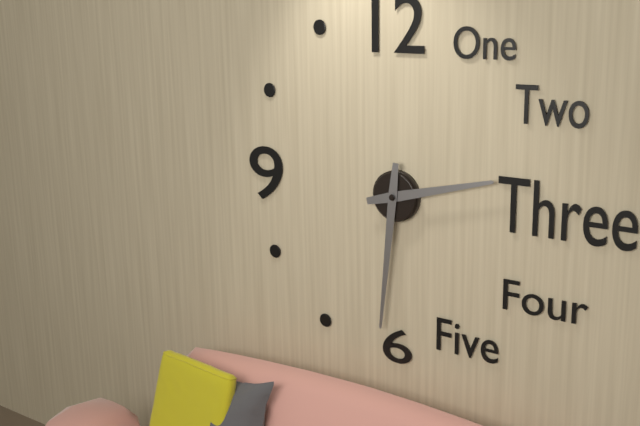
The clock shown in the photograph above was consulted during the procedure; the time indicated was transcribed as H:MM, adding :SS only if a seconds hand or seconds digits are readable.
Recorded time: 2:31
